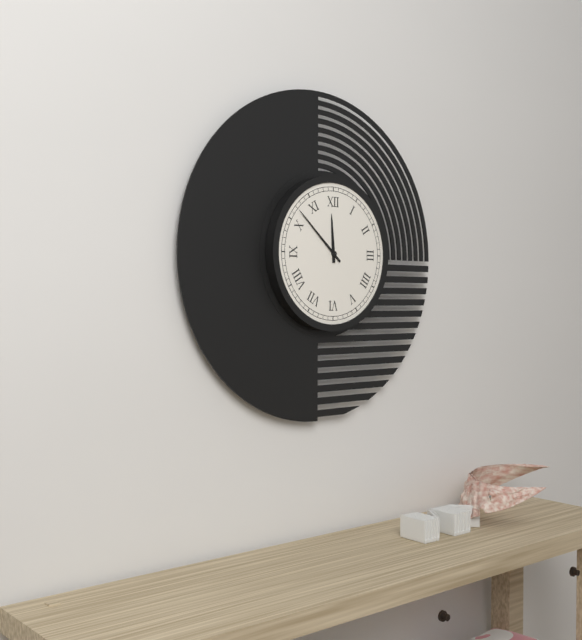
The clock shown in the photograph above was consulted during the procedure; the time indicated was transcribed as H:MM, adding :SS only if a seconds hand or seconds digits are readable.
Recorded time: 11:52
